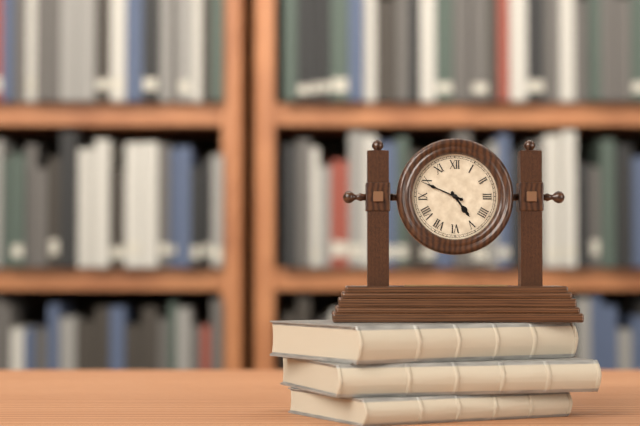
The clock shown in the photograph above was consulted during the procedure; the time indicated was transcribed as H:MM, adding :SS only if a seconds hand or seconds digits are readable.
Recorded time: 4:49
